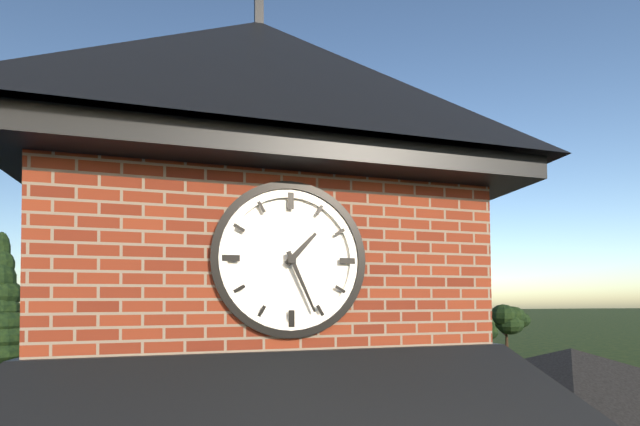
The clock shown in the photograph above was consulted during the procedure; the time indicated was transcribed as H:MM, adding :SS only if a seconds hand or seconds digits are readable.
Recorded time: 1:26
